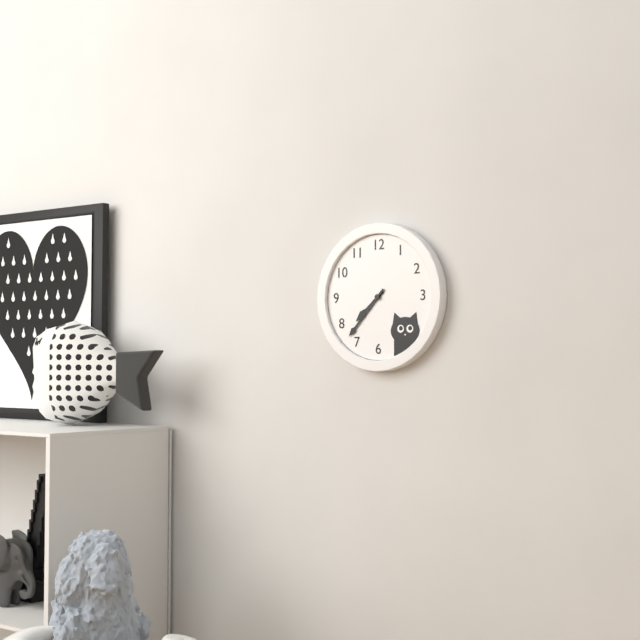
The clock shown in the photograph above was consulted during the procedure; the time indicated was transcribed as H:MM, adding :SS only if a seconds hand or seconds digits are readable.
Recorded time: 7:37
